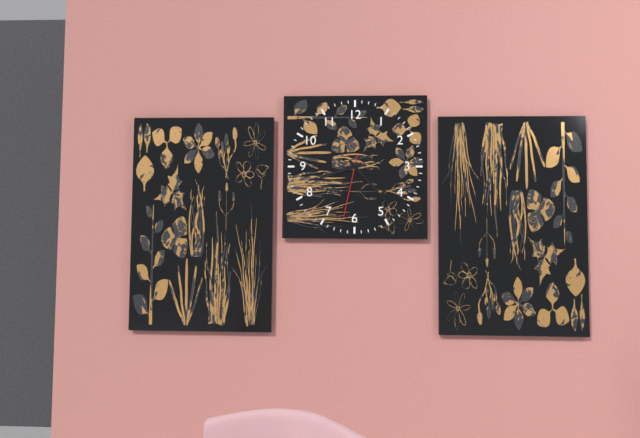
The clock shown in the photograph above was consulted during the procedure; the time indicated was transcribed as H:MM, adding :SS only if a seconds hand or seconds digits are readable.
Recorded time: 8:23:32
